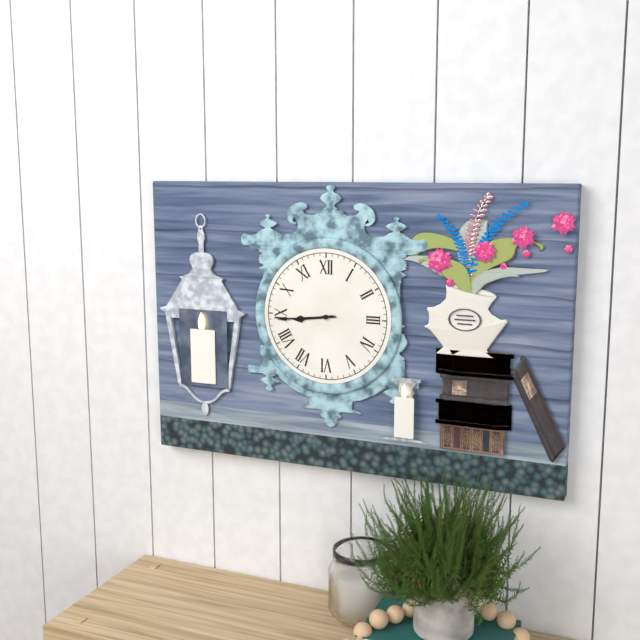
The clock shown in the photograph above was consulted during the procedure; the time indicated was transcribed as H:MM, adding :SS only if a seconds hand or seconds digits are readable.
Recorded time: 8:44
